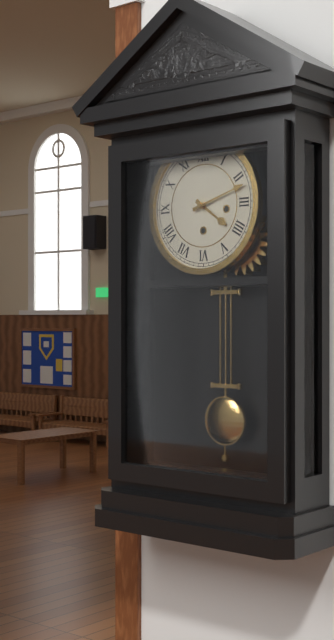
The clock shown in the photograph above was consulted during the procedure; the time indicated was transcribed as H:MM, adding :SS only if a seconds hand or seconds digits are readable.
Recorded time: 4:12
